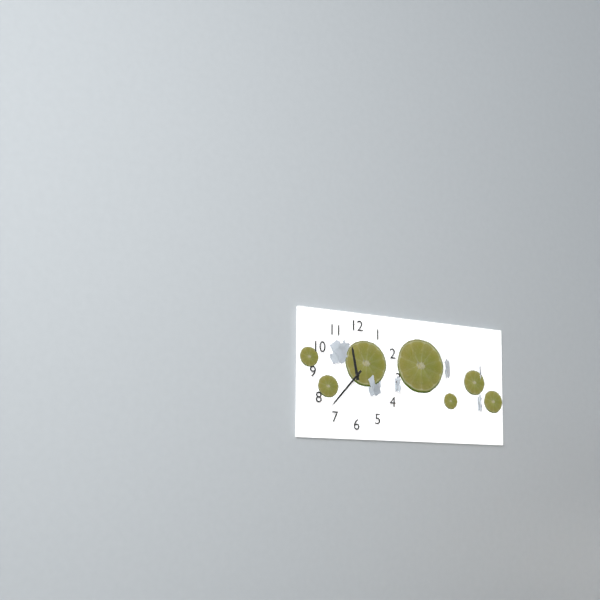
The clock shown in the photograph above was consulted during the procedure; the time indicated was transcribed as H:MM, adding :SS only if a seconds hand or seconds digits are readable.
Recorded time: 11:37
